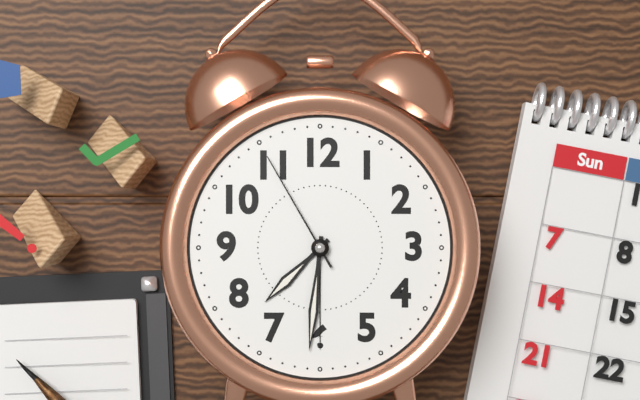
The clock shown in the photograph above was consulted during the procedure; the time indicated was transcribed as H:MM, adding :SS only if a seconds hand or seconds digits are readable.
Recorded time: 7:31:55
